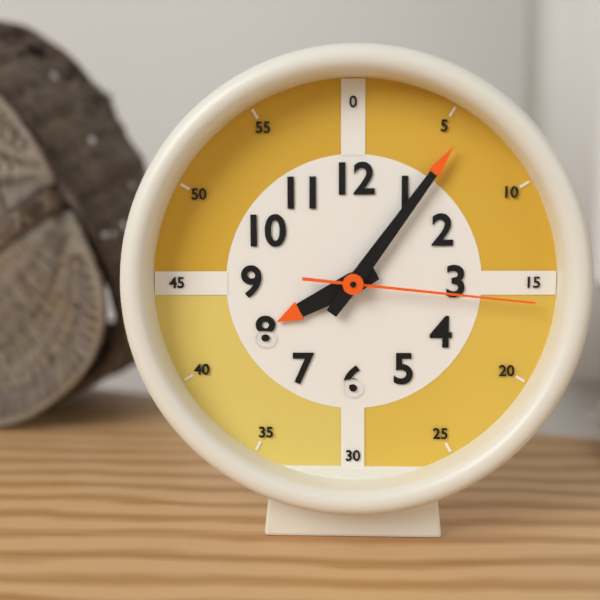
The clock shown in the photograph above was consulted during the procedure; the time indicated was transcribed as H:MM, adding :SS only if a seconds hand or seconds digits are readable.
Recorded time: 8:06:16
